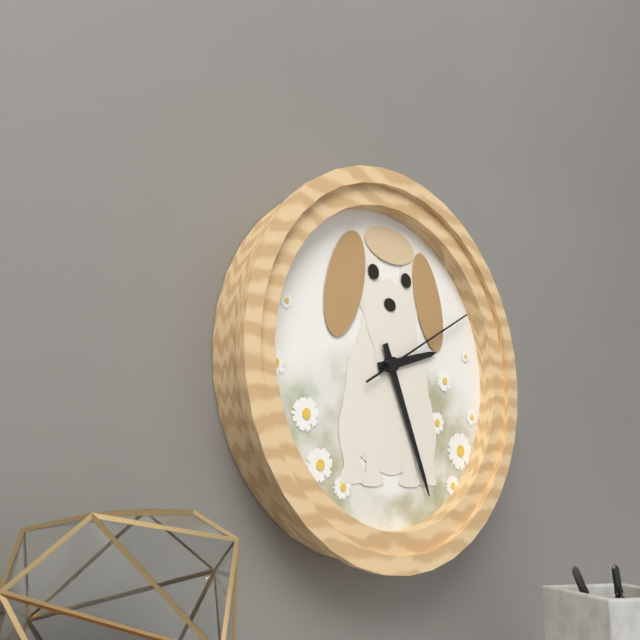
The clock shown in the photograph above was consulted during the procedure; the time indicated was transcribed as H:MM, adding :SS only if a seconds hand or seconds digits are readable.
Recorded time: 2:26:10
